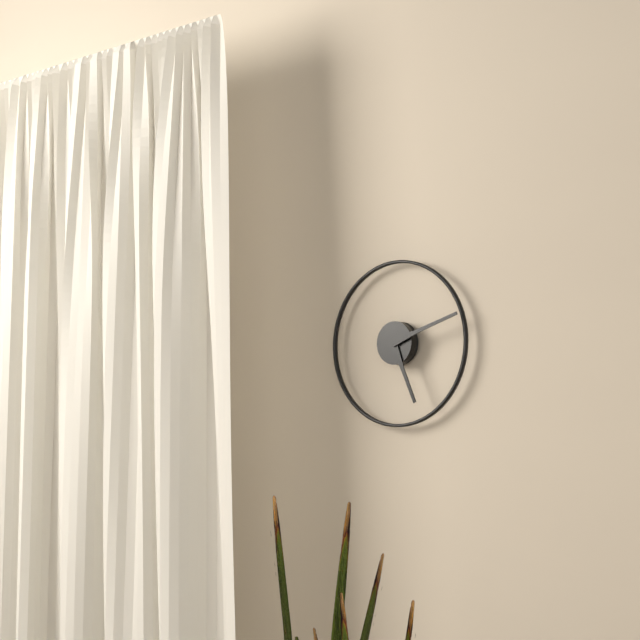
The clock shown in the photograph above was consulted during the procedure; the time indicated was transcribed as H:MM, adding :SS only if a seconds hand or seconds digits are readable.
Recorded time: 5:12
